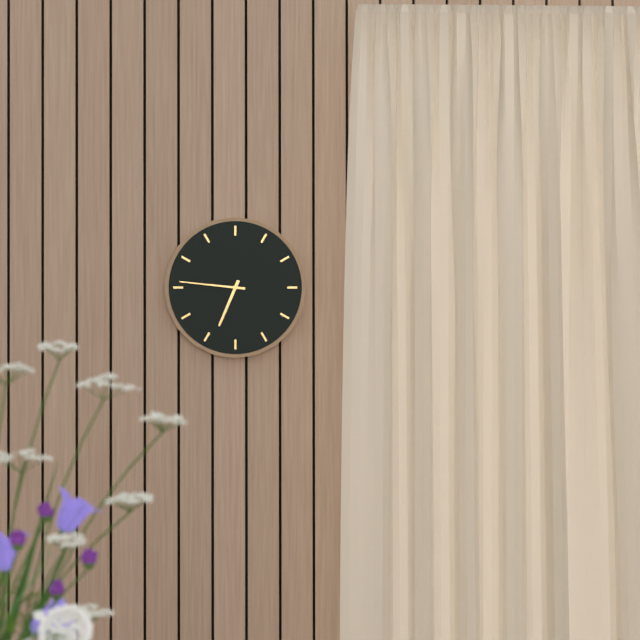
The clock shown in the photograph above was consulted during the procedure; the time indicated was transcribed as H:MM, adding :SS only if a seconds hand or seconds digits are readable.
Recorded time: 6:46
